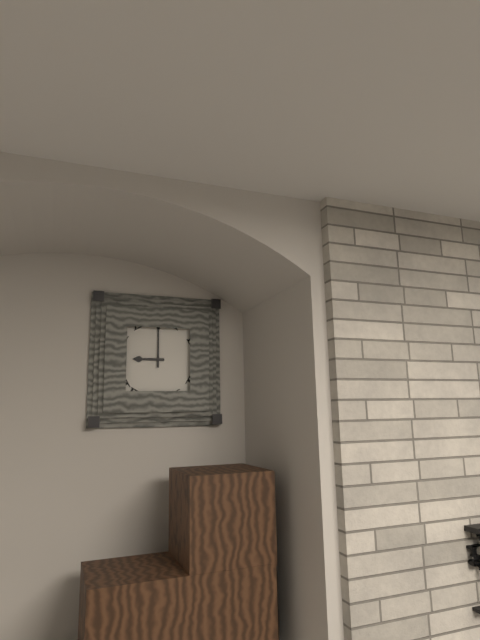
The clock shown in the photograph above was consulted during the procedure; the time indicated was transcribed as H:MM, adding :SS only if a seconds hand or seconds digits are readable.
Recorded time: 9:00
